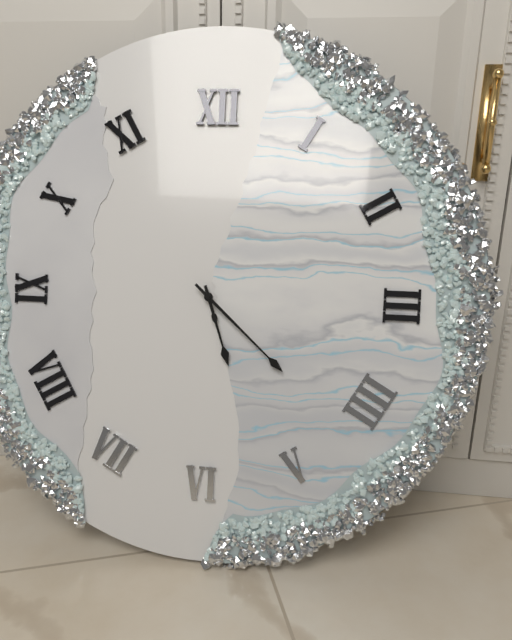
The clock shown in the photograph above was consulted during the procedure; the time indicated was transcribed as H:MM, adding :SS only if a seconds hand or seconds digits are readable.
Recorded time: 5:22
